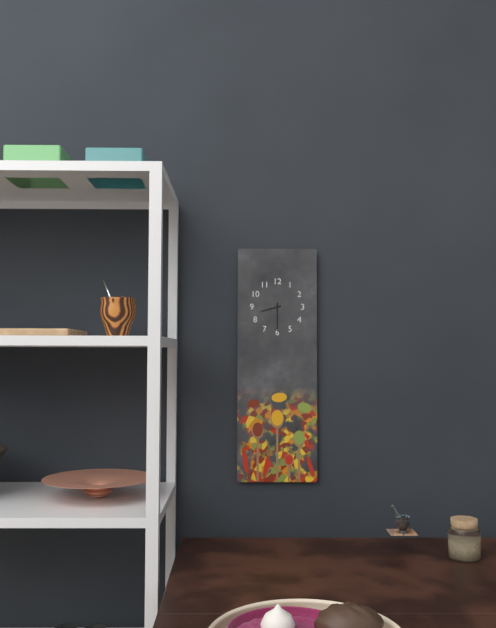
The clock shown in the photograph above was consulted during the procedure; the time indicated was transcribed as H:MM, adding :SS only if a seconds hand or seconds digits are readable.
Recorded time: 8:30
